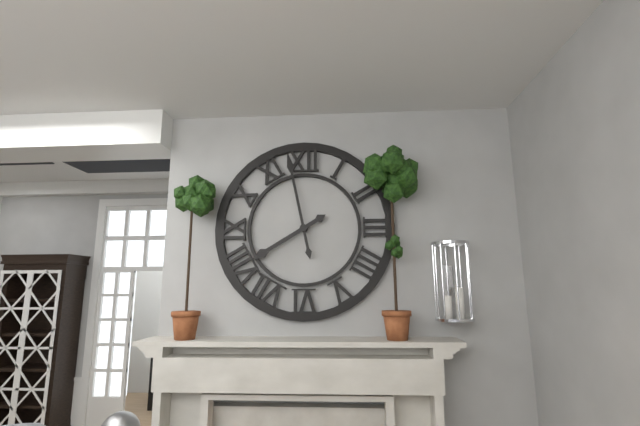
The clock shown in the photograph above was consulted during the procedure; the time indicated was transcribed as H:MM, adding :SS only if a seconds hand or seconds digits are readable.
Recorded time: 7:58
